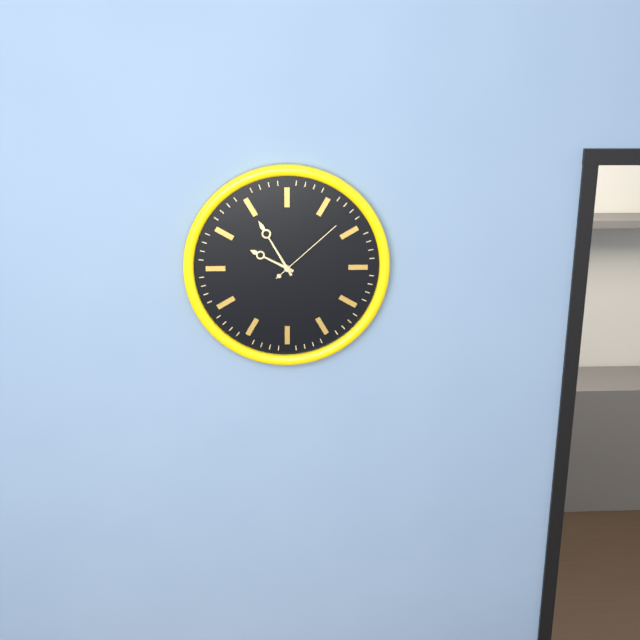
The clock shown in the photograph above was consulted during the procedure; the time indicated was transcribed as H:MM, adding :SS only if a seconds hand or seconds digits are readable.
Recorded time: 9:55:08
